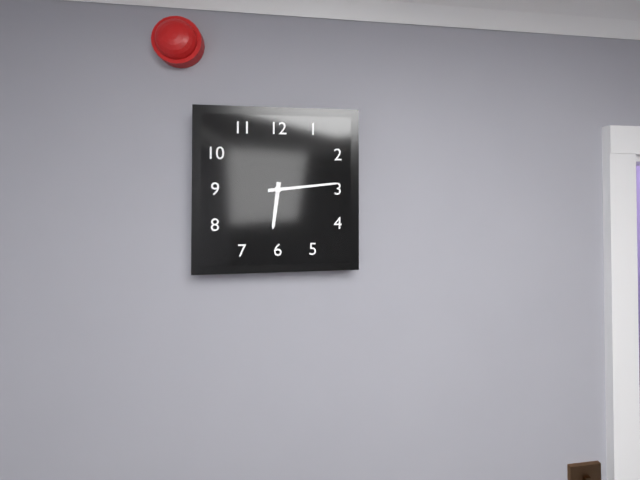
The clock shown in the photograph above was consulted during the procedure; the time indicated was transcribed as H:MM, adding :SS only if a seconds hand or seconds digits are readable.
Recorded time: 6:14
